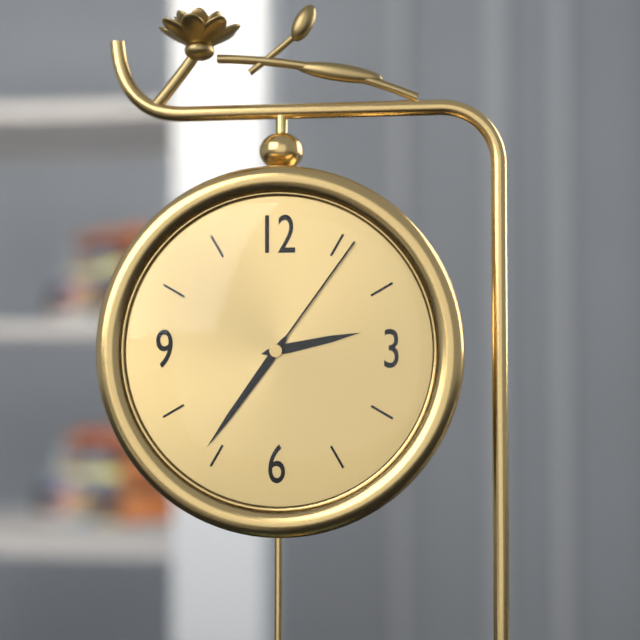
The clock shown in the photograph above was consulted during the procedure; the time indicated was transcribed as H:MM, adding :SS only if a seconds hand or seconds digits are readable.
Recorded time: 2:36:06
